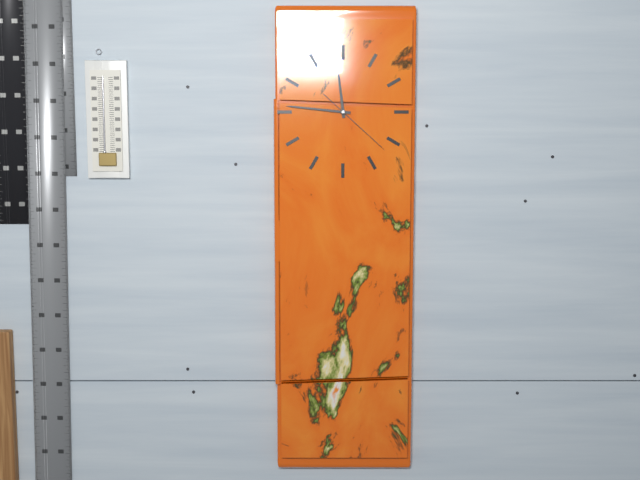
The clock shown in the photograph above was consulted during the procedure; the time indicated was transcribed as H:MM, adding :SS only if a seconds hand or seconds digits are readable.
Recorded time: 11:46:22
